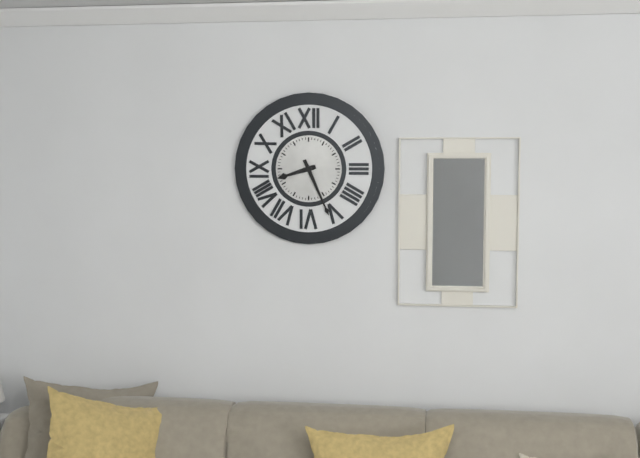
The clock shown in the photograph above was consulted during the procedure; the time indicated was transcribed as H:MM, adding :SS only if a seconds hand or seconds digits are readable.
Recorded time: 8:26
